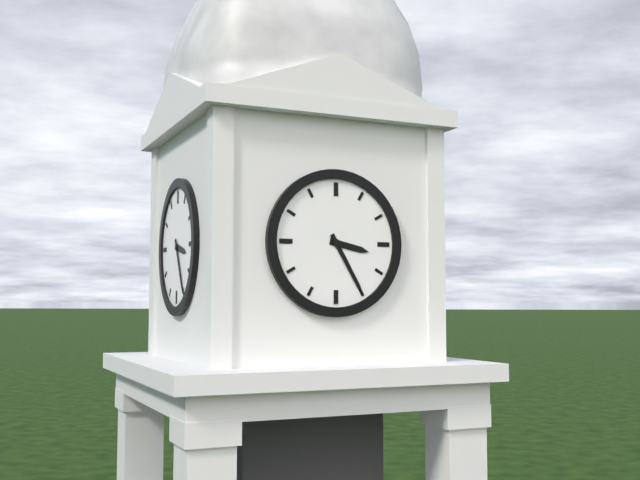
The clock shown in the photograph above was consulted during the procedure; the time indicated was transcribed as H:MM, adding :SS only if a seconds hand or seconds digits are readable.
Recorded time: 3:25
